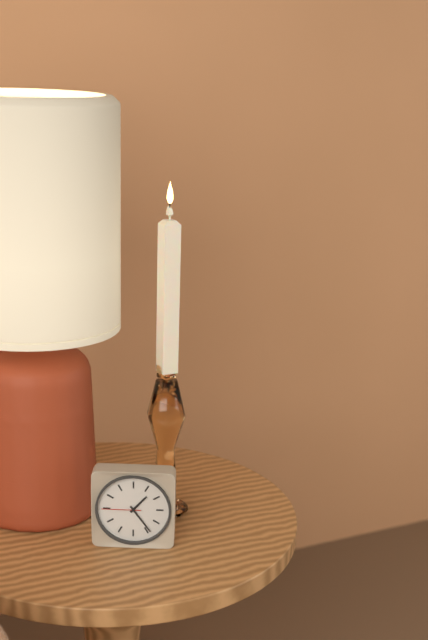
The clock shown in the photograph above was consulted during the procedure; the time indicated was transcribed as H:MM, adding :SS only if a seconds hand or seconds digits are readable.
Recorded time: 1:24
